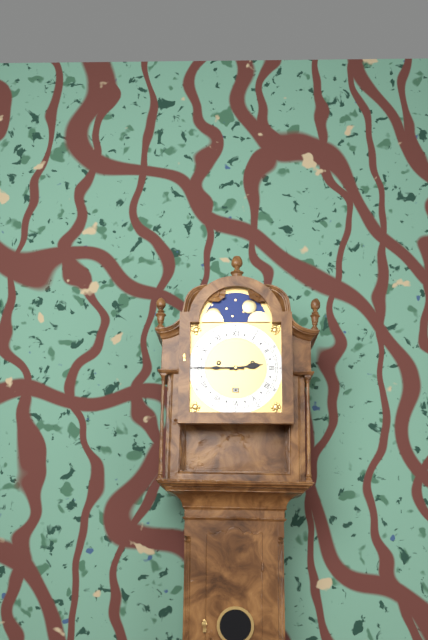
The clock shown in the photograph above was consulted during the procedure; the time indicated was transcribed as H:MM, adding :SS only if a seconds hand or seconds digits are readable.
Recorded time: 2:45
